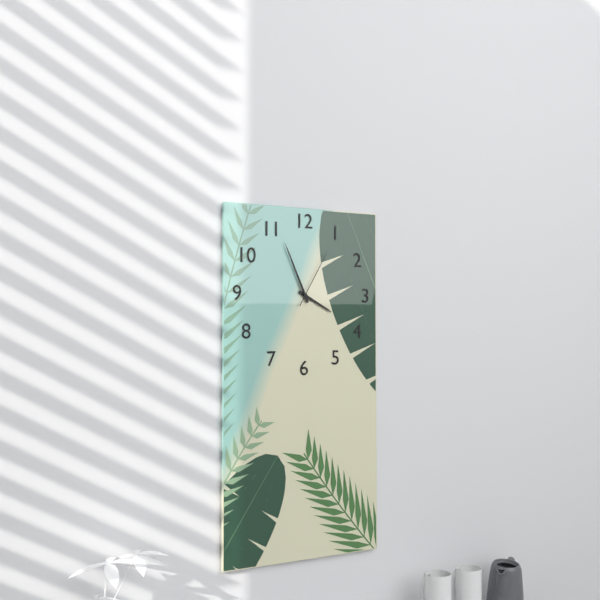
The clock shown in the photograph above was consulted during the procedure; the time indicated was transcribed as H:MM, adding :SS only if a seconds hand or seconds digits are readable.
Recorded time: 3:56:05
